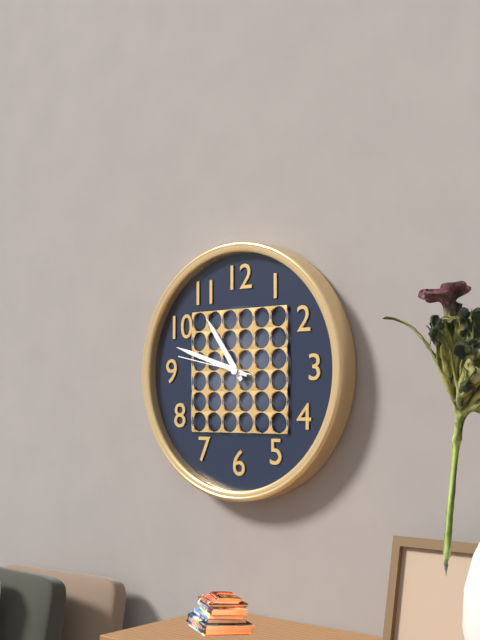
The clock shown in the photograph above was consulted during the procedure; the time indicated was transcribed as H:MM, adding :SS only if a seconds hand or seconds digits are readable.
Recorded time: 10:48:47
